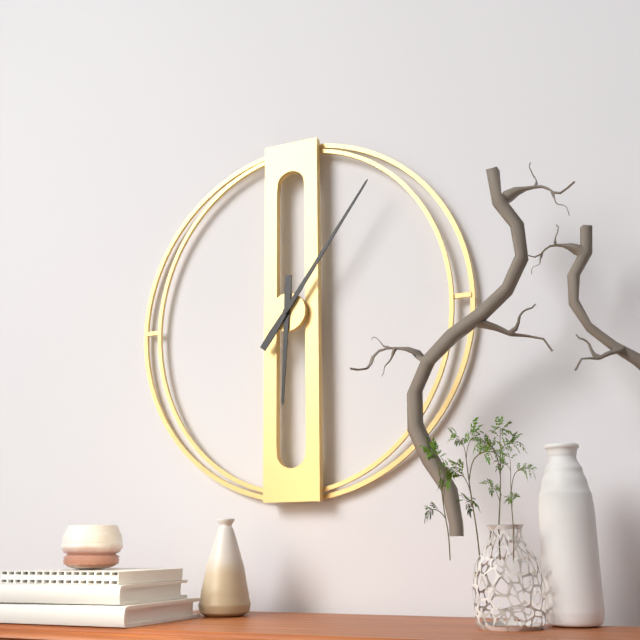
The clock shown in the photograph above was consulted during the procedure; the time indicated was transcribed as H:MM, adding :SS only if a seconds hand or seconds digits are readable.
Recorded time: 6:06
